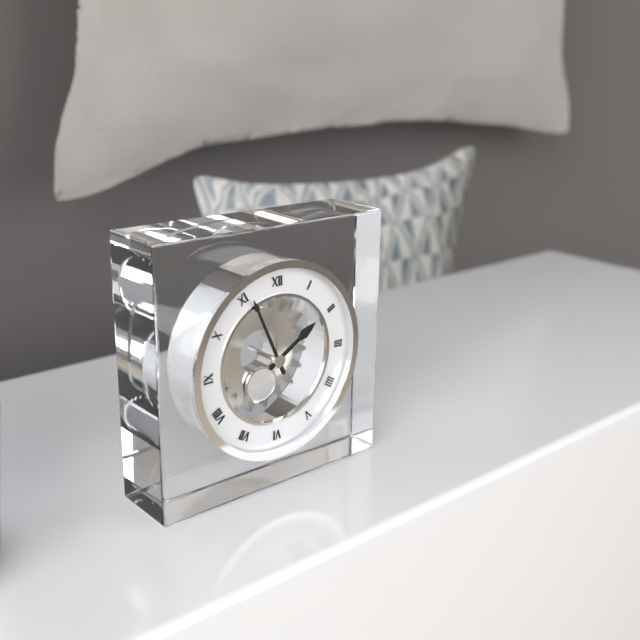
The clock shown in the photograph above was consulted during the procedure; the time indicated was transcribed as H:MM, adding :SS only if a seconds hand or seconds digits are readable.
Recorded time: 1:56
